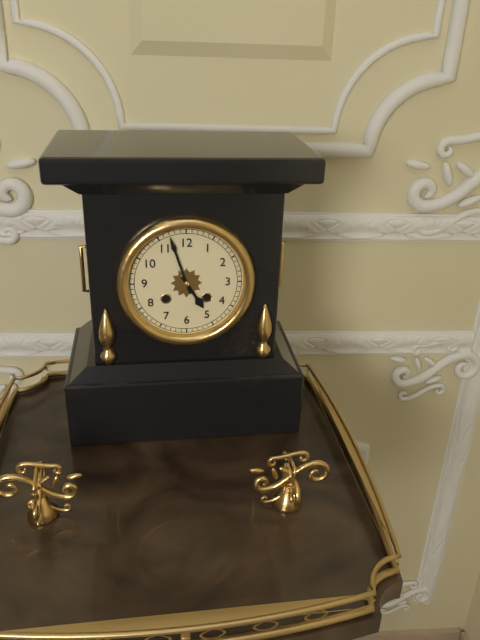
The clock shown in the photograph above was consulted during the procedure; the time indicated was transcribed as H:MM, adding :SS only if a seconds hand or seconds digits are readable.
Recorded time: 4:57
